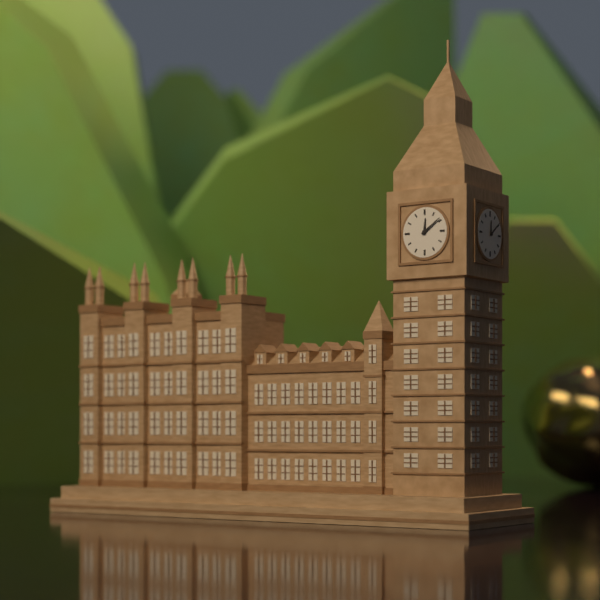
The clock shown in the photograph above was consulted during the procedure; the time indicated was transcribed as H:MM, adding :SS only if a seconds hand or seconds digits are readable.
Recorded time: 12:09
